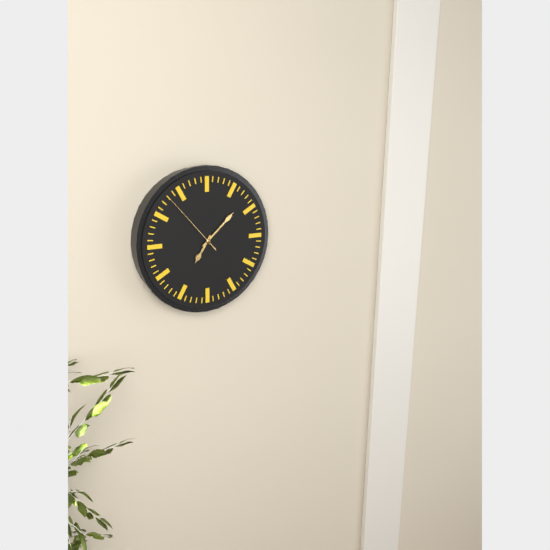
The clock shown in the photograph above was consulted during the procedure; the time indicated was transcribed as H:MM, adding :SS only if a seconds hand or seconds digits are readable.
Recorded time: 7:08:53
